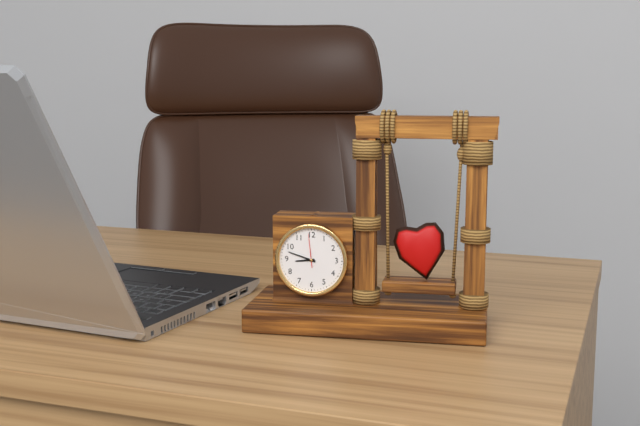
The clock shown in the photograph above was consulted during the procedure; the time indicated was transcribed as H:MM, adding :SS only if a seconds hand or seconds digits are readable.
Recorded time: 8:48
